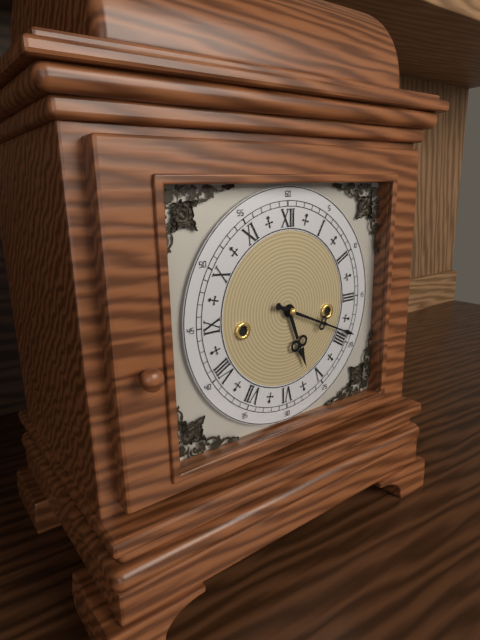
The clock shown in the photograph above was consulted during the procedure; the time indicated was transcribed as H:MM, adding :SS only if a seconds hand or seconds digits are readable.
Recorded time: 5:19
